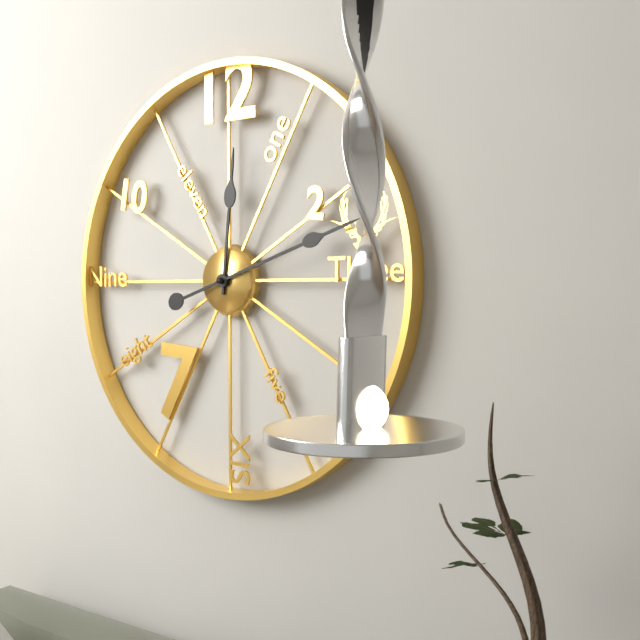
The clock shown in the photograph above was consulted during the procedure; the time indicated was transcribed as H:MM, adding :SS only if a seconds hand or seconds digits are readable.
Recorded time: 12:12
